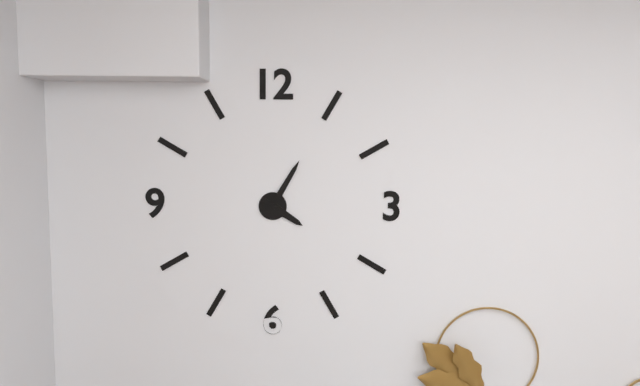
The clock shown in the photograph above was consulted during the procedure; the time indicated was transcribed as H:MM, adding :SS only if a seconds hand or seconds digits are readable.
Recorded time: 4:05
